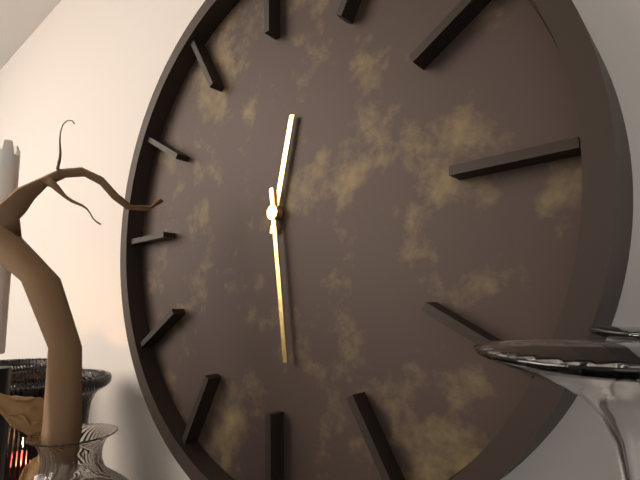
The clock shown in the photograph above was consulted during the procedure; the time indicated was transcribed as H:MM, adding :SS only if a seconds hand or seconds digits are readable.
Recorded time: 12:29
